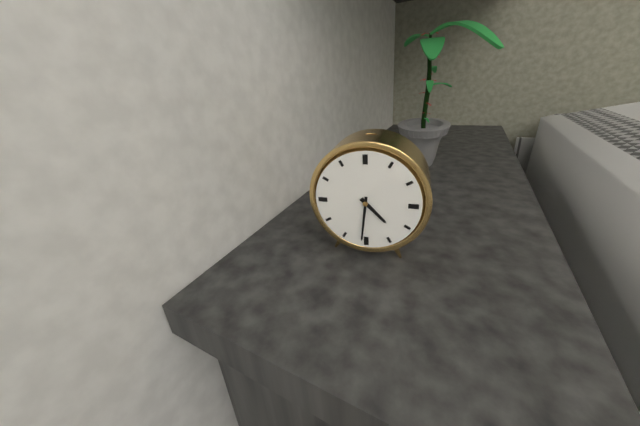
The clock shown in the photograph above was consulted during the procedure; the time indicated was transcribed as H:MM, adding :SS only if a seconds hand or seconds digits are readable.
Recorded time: 4:31
